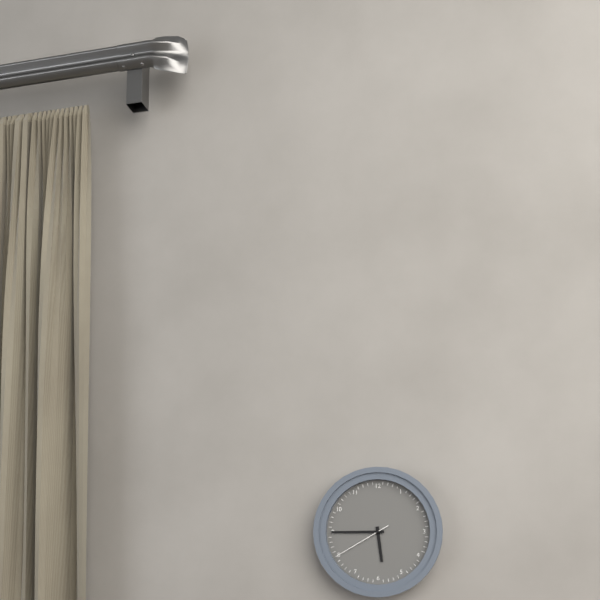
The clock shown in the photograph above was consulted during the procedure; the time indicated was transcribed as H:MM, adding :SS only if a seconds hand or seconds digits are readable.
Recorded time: 5:45:40
